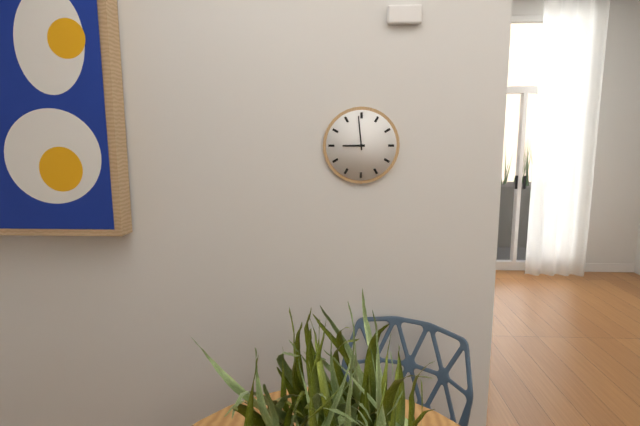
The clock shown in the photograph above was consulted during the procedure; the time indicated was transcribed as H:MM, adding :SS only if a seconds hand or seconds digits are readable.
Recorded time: 8:59
